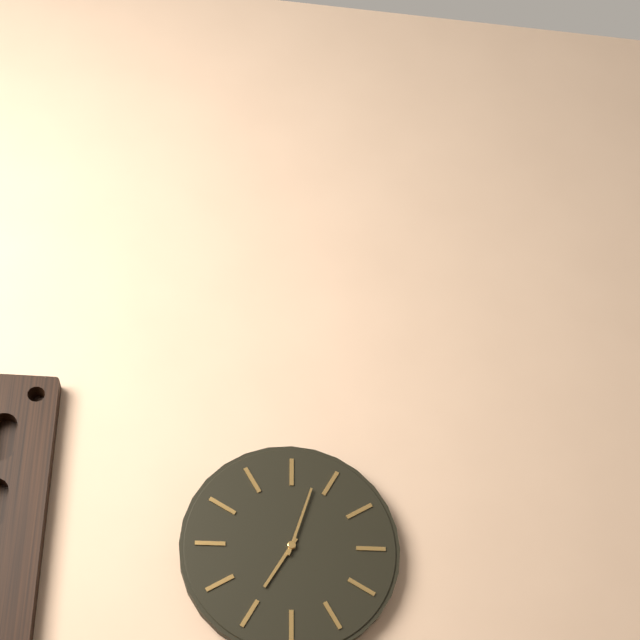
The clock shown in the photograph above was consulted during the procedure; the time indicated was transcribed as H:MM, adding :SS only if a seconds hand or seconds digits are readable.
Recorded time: 7:03
